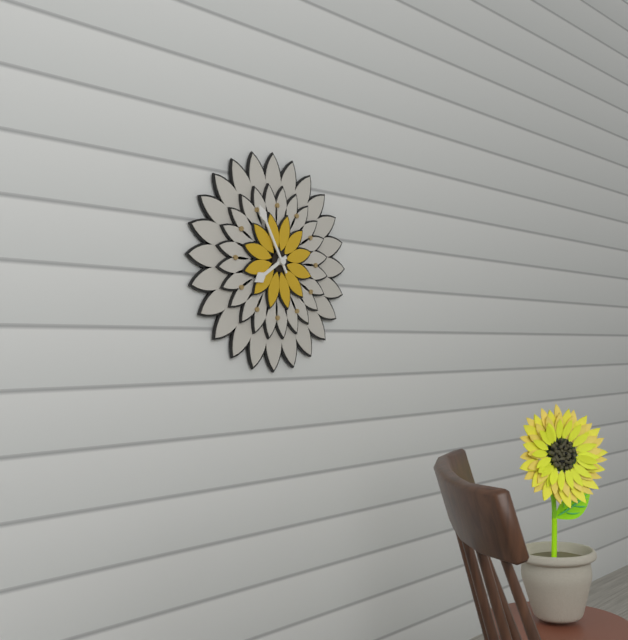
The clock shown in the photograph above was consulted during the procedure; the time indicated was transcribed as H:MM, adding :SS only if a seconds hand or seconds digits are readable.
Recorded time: 7:55
